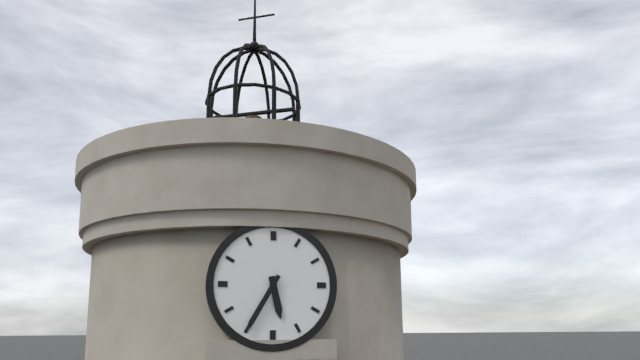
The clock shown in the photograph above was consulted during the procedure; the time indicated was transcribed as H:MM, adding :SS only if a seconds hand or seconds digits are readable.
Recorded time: 5:35
